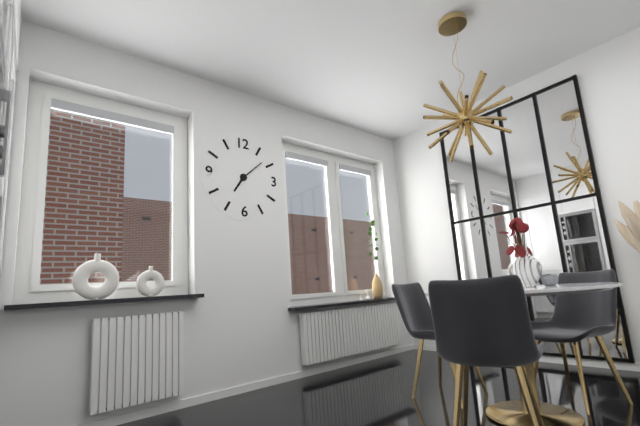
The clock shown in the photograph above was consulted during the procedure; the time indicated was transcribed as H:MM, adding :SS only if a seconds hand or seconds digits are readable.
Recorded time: 7:08
